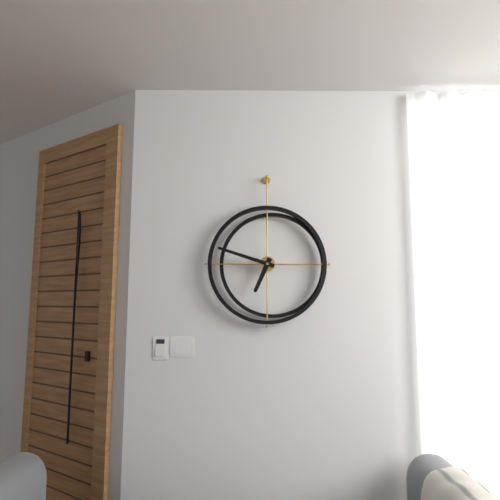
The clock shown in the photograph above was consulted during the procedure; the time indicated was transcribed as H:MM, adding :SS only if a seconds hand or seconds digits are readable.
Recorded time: 6:48
